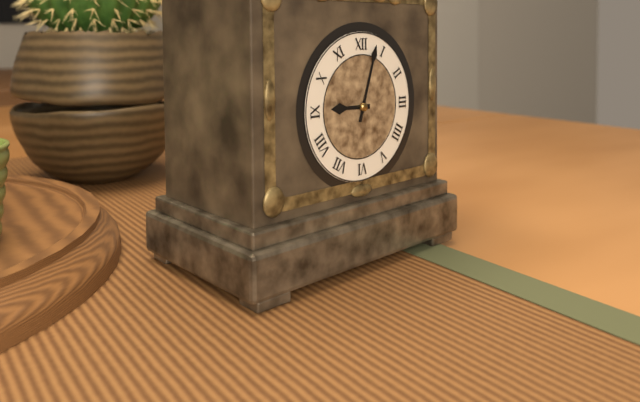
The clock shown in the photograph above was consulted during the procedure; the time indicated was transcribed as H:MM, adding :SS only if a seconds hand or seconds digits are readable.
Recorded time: 9:03
